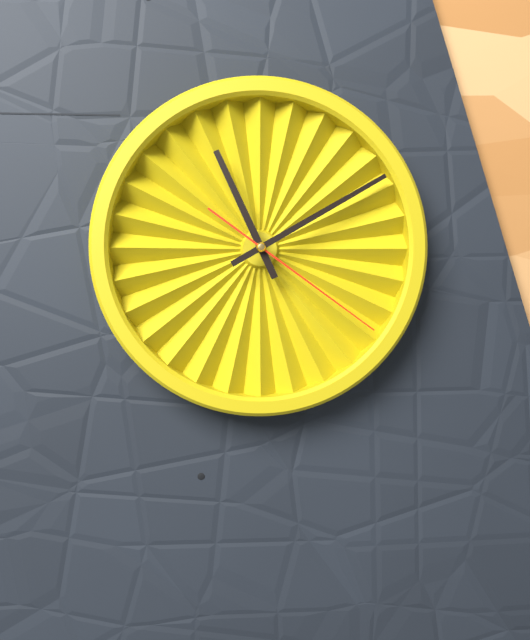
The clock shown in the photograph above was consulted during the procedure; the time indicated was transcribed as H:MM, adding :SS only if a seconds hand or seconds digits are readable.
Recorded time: 11:10:21
